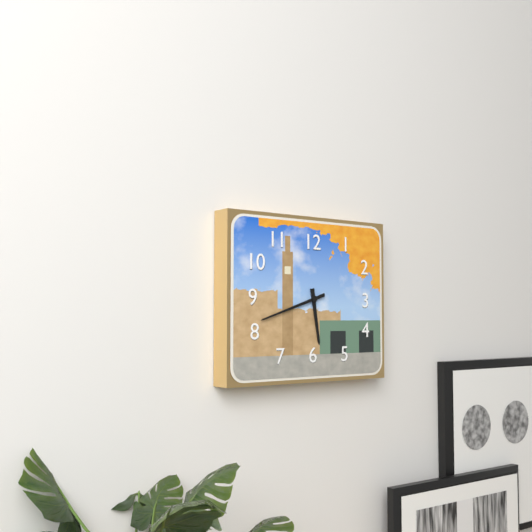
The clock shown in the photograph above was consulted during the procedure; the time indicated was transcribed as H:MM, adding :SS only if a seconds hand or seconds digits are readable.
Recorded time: 5:42
